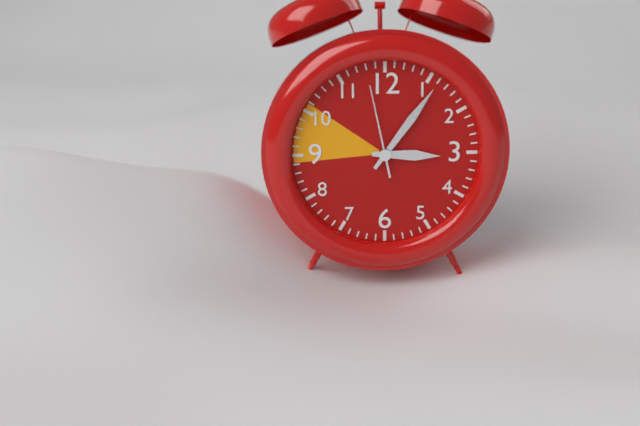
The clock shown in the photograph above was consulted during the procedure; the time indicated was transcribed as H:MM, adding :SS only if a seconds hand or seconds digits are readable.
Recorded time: 3:06:58
